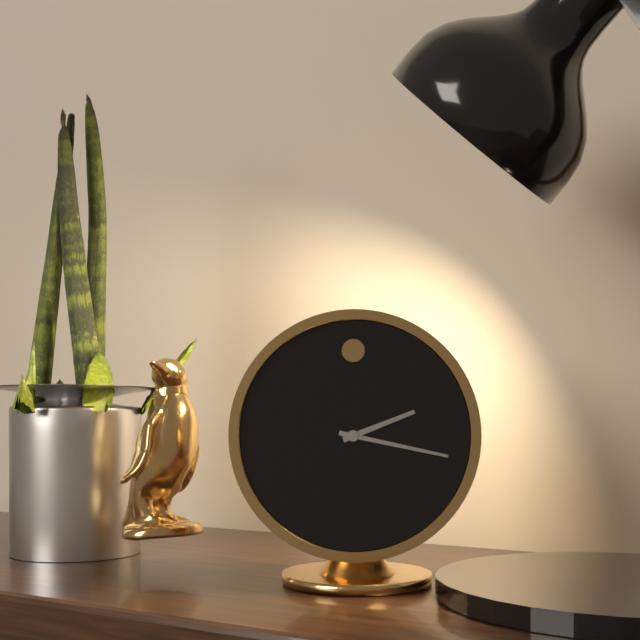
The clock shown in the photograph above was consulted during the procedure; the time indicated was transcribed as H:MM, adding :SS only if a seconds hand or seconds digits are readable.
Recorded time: 2:17
